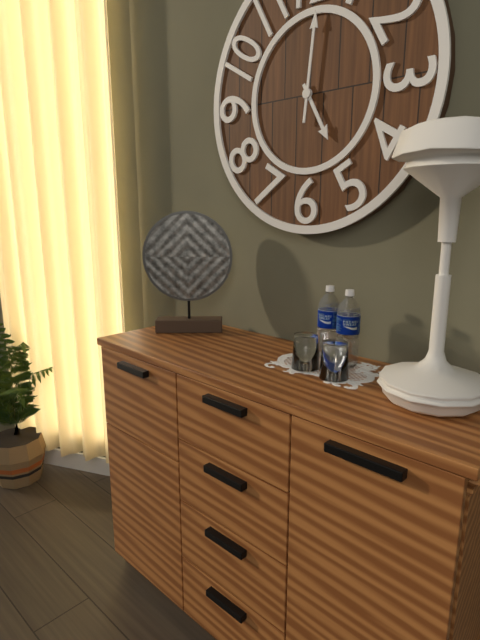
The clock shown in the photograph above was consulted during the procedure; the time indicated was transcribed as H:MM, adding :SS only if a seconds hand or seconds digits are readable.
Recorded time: 5:01
